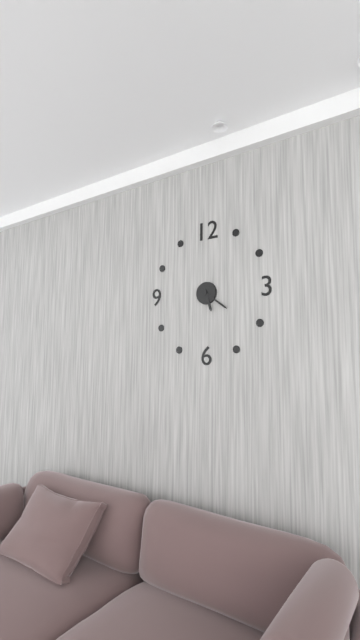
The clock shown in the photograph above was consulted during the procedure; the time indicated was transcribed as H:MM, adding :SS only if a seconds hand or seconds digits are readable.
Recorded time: 5:21
